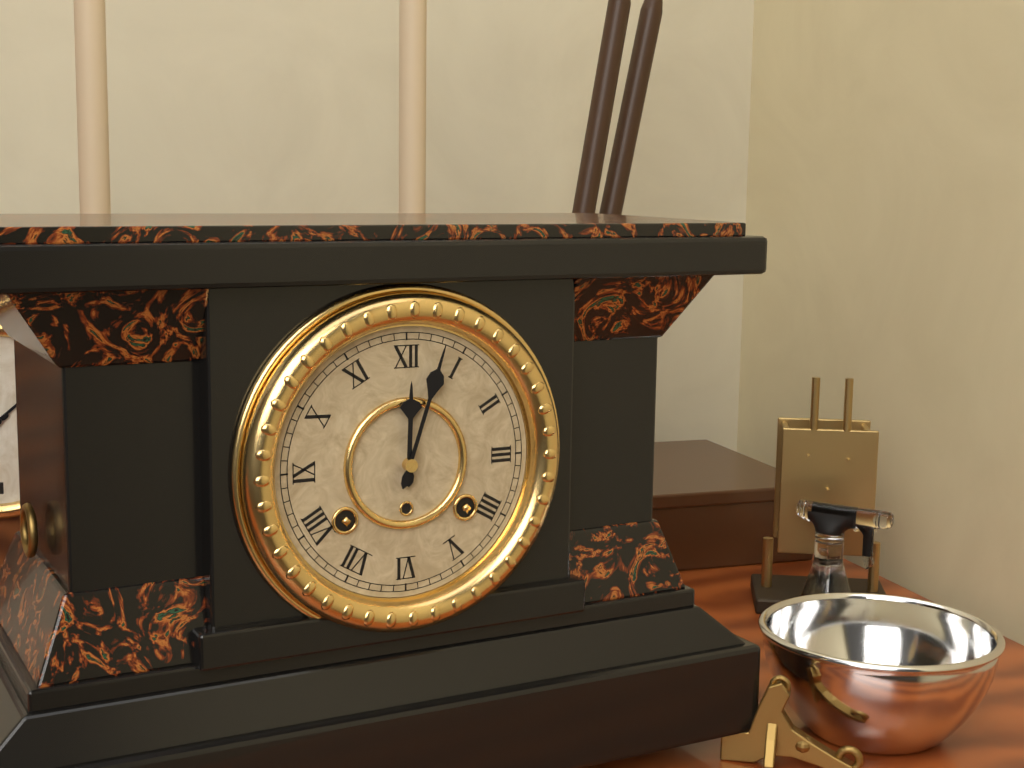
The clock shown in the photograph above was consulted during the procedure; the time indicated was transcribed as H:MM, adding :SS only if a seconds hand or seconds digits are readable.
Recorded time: 12:03
